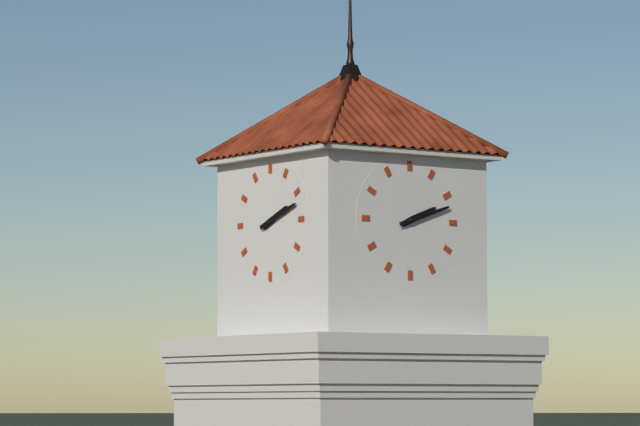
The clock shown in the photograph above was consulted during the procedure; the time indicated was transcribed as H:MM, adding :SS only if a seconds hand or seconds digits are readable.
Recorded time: 2:12
